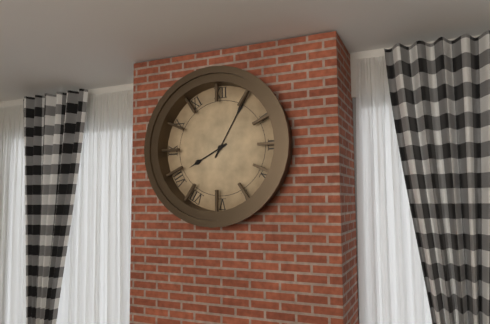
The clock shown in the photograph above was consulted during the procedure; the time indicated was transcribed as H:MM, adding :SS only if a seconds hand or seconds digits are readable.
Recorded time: 8:05
